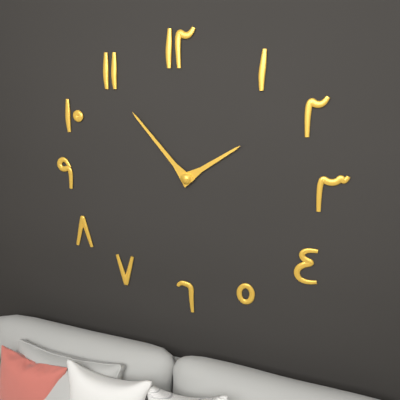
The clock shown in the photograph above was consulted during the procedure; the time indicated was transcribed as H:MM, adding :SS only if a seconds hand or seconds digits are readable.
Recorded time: 1:53
